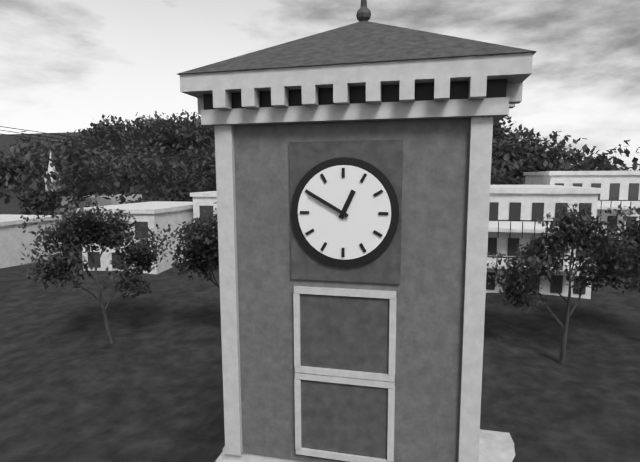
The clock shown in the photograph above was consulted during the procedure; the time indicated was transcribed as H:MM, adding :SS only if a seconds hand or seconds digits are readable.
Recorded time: 12:50
